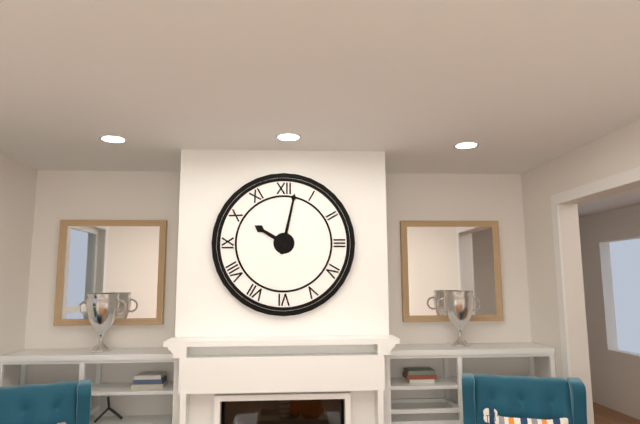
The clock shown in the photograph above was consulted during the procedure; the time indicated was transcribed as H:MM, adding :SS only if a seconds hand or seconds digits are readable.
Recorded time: 10:02
